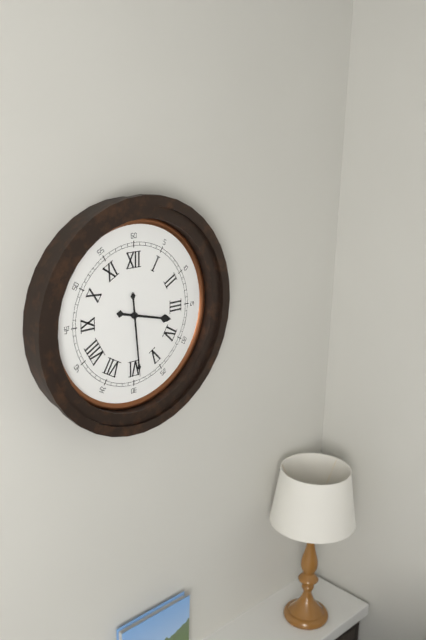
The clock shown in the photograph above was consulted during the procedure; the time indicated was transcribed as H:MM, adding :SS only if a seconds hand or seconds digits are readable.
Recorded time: 3:29
